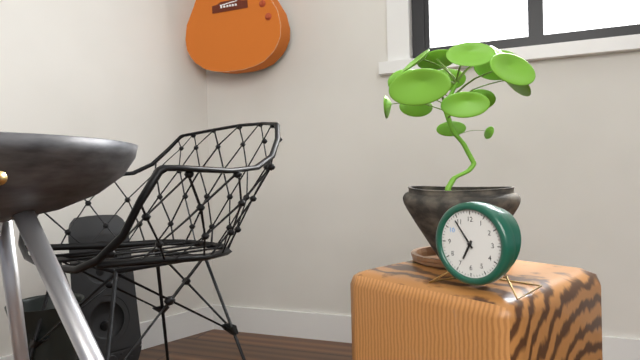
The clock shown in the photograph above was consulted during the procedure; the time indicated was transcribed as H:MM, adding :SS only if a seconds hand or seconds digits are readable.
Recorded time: 6:54
